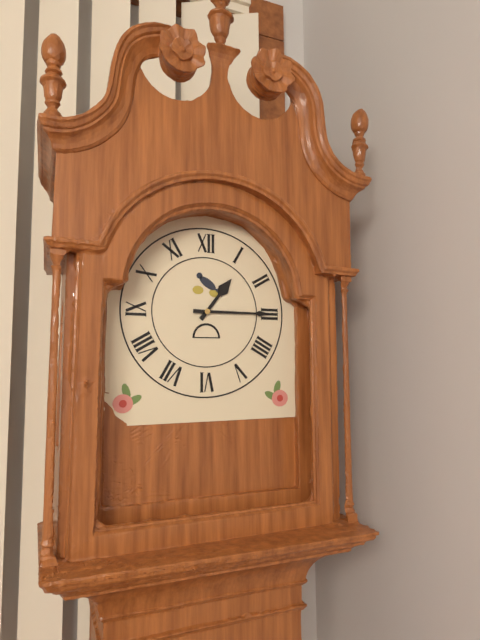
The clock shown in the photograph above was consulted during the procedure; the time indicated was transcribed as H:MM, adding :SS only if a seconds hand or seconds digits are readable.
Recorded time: 1:15
